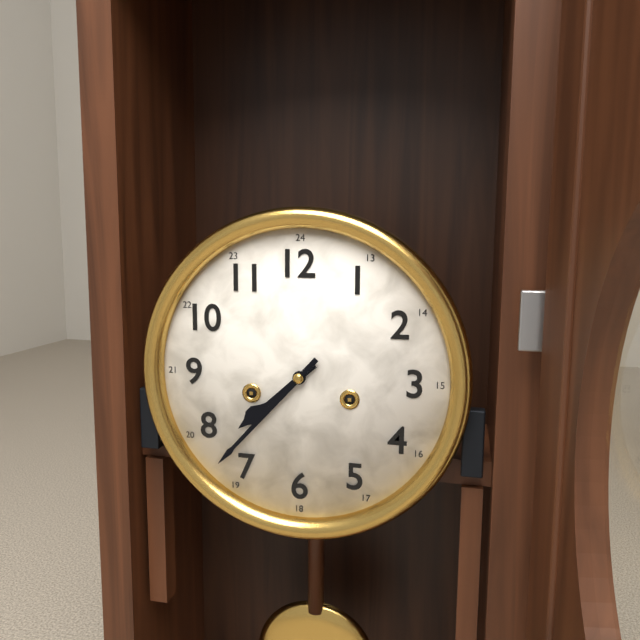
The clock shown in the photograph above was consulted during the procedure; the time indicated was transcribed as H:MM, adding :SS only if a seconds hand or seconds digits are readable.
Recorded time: 7:37
